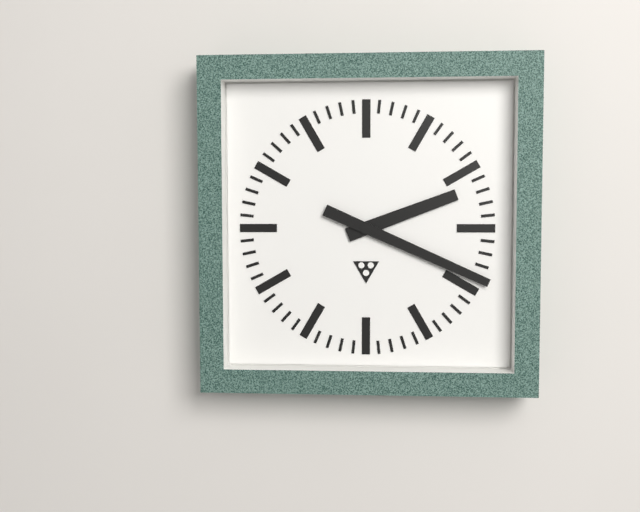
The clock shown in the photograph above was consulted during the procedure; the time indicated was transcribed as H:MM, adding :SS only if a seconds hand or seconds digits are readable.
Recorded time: 2:19
